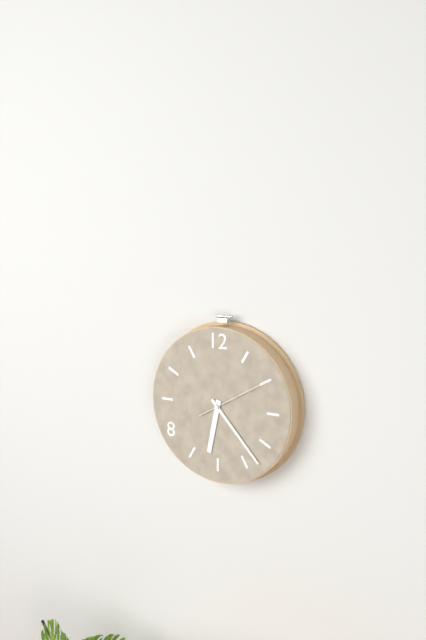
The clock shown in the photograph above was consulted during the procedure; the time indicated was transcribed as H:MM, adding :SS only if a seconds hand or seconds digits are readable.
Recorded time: 6:23:10
